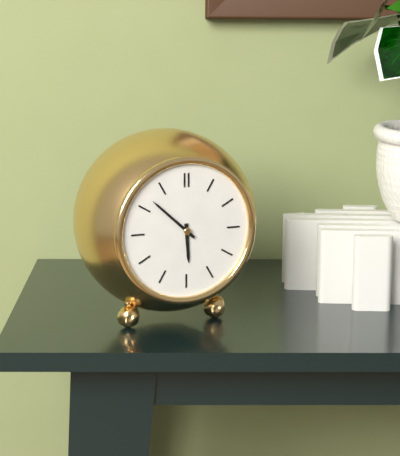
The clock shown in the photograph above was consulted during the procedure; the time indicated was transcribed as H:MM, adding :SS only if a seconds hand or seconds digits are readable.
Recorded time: 5:52
